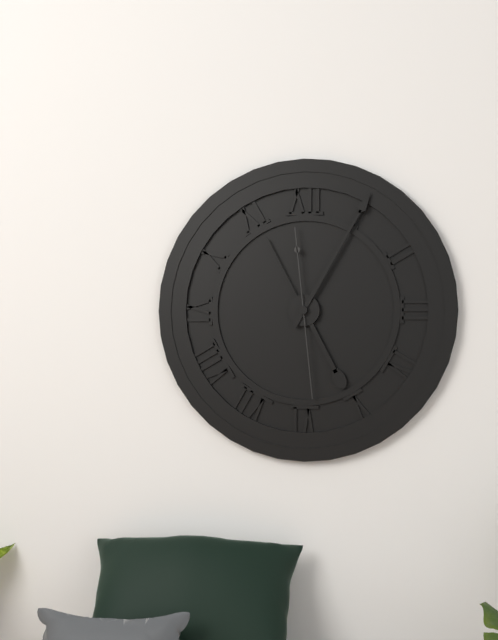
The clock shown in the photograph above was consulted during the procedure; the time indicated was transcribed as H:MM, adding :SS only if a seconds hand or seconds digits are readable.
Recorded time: 5:05:29
